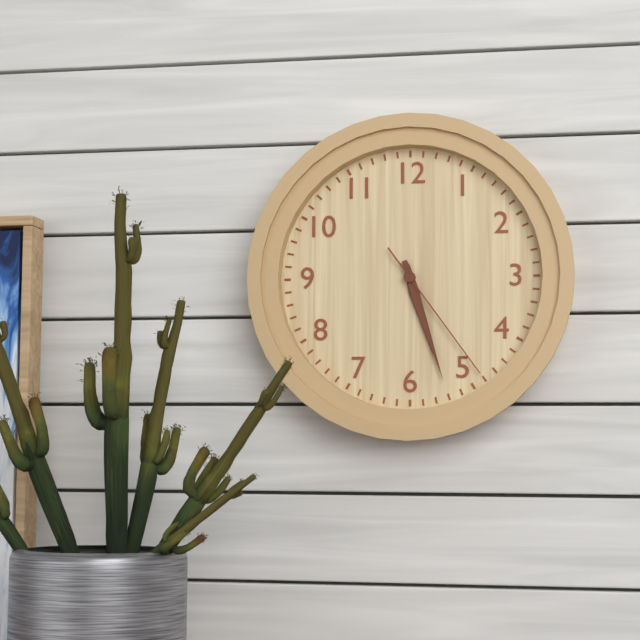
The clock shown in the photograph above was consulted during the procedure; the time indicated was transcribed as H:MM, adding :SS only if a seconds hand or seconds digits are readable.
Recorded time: 5:27:24
